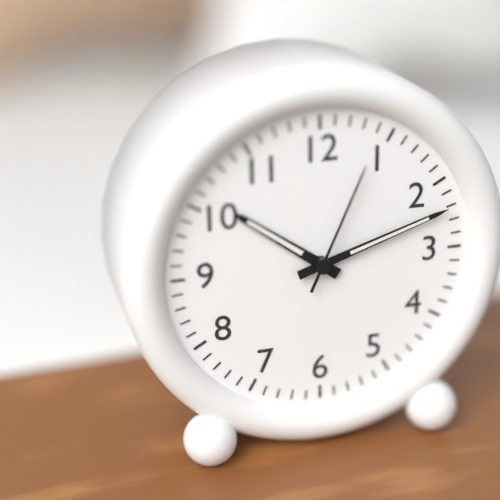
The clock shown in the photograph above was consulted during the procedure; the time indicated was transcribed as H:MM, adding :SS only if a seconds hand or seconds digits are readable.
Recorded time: 10:12:04
